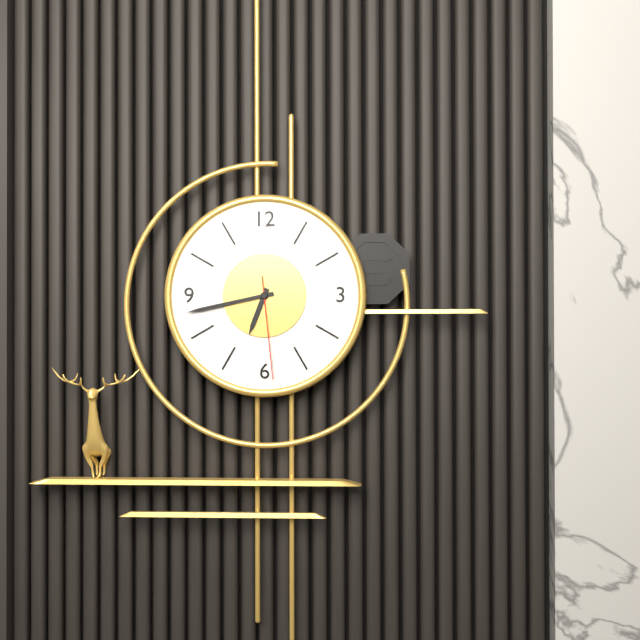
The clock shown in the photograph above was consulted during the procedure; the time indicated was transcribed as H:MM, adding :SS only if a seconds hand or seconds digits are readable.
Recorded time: 6:43:29
